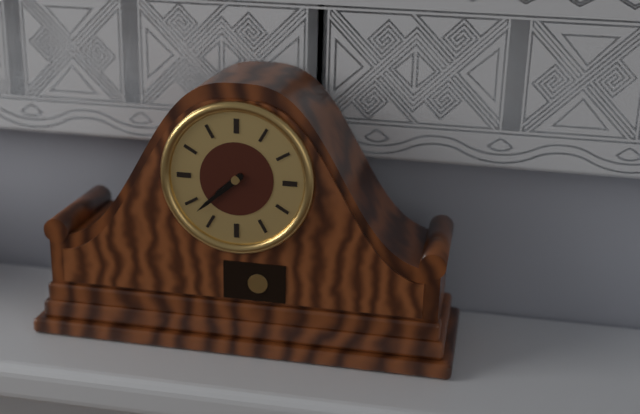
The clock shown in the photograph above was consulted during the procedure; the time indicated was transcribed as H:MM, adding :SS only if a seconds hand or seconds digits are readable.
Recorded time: 7:38
